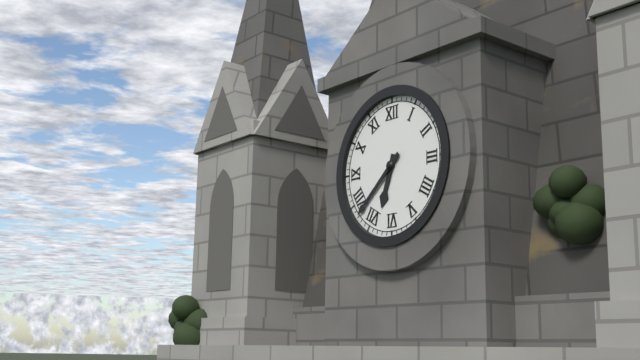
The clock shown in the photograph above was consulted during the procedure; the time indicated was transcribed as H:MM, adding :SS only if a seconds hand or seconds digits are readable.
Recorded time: 6:38
